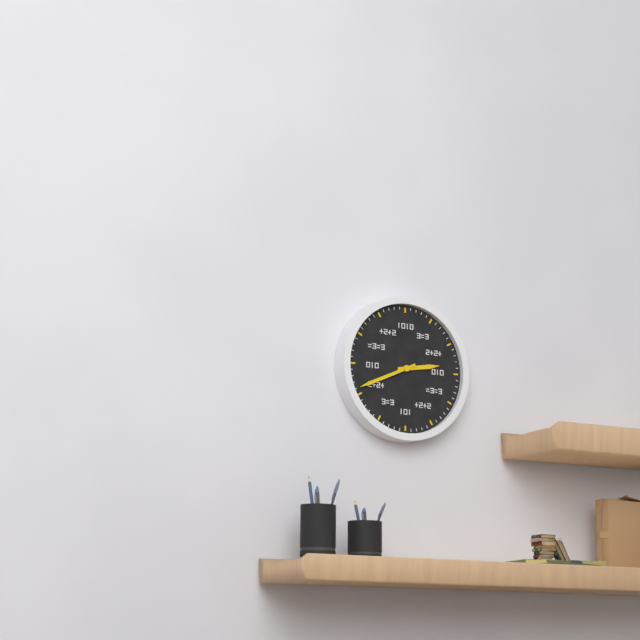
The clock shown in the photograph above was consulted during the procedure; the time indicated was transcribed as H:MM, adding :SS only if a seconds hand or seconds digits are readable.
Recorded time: 2:41
